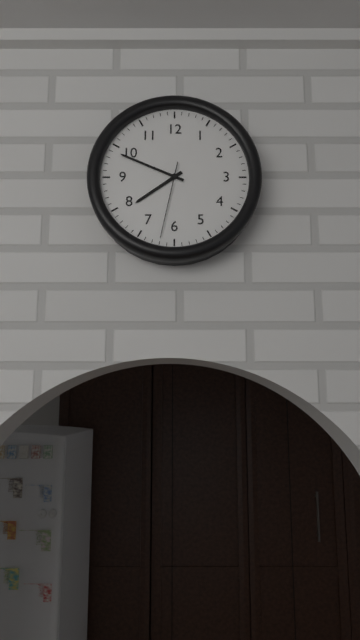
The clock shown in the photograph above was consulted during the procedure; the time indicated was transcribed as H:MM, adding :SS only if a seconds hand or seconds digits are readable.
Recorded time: 7:49:32
